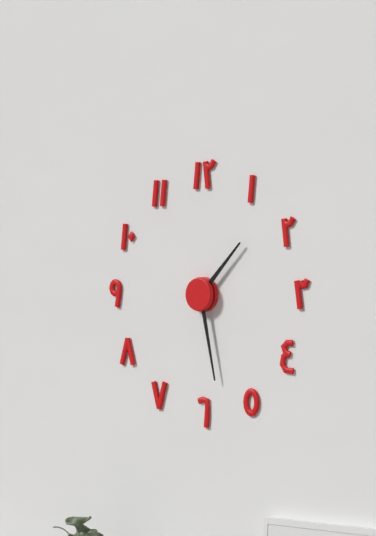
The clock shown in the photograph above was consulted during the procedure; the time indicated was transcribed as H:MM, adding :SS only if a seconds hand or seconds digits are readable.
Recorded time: 1:28
